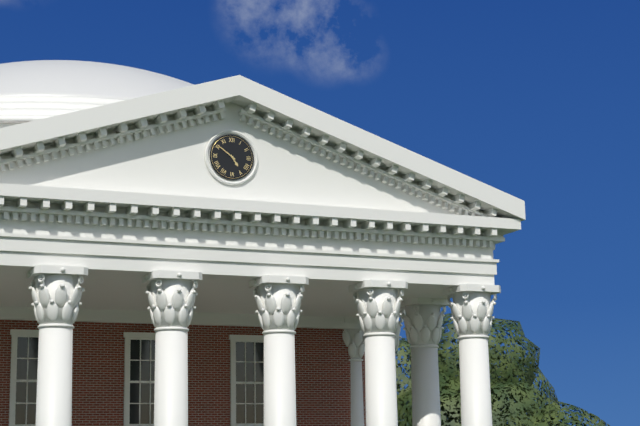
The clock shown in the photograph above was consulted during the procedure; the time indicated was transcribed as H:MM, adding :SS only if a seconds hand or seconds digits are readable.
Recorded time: 4:51
